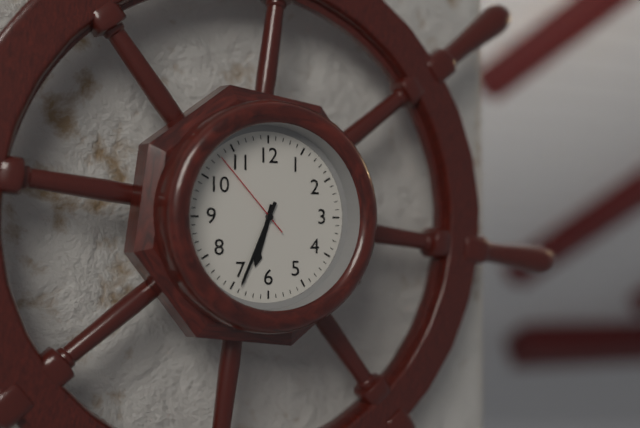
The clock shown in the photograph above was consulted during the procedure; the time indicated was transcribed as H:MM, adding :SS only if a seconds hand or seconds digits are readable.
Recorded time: 6:34:53
